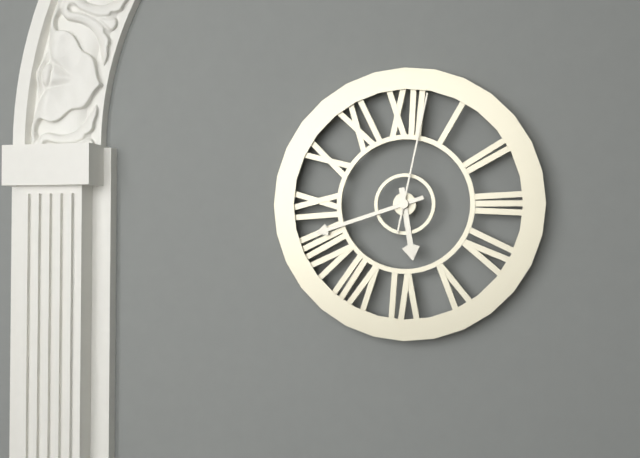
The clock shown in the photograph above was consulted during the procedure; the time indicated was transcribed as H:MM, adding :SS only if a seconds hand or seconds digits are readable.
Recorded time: 5:42:02
